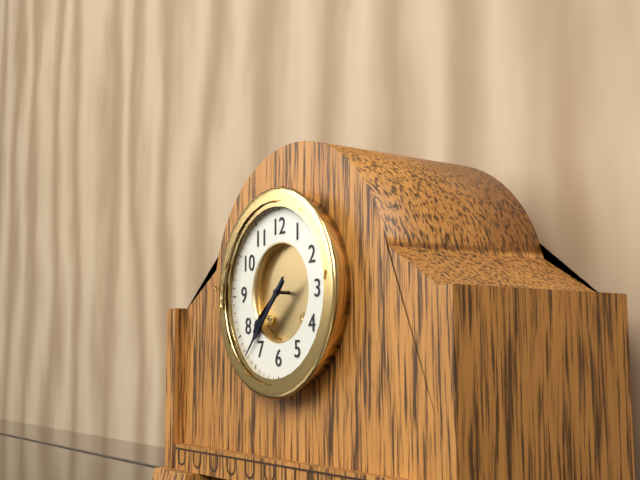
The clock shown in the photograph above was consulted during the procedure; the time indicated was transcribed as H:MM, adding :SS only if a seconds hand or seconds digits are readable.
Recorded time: 7:37
